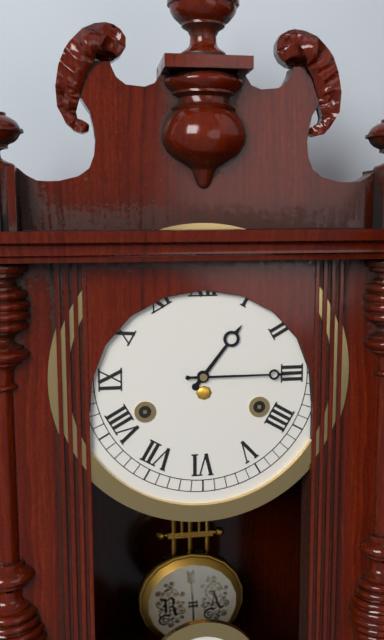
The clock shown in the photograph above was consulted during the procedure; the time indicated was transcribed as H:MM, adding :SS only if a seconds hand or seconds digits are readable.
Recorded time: 1:15
